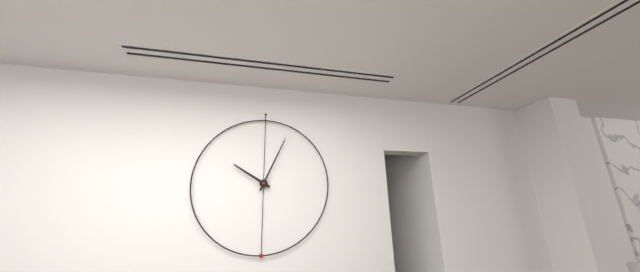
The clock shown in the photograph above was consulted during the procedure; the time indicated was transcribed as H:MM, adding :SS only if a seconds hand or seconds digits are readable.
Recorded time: 10:04
